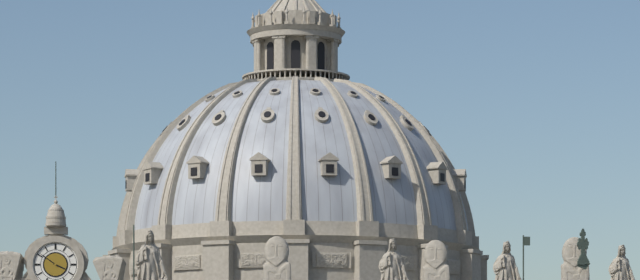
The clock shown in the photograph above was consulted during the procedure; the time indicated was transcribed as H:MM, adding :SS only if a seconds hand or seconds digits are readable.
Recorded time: 3:51
